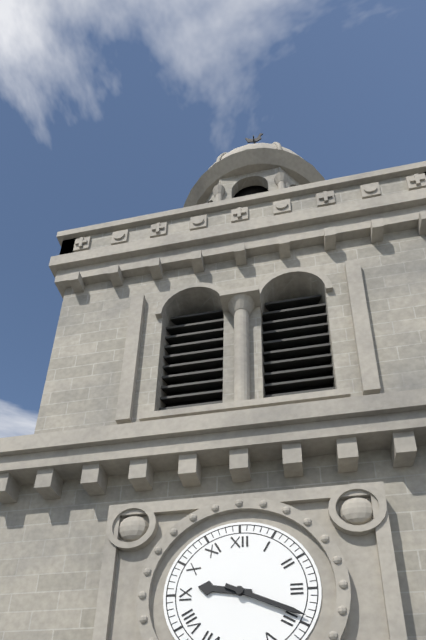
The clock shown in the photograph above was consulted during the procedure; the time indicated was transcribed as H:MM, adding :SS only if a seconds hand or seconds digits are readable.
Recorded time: 9:19
